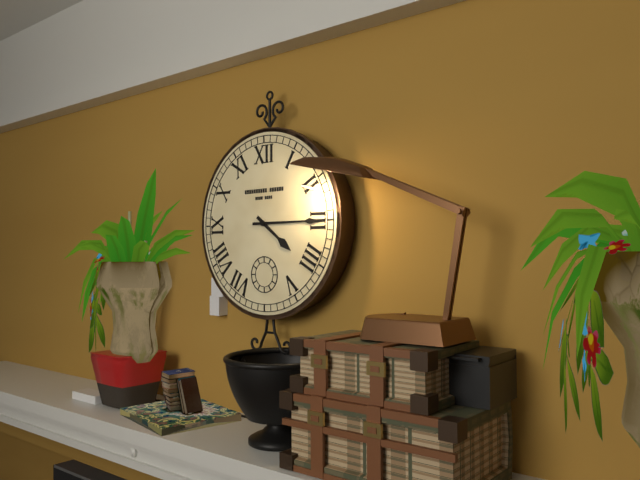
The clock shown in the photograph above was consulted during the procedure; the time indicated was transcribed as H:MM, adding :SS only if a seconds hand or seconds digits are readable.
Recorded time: 4:15
